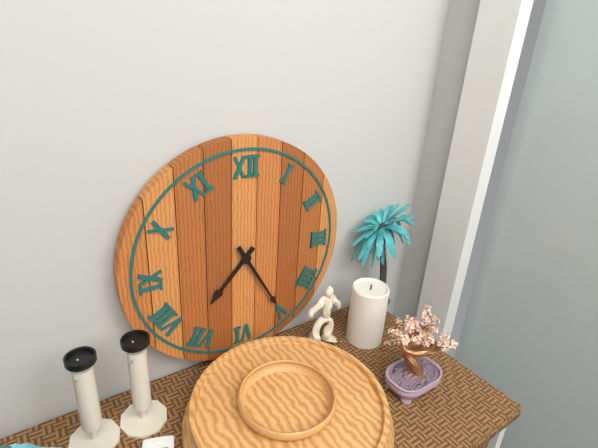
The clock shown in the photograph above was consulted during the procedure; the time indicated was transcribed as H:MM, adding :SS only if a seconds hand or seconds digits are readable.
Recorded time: 7:25
